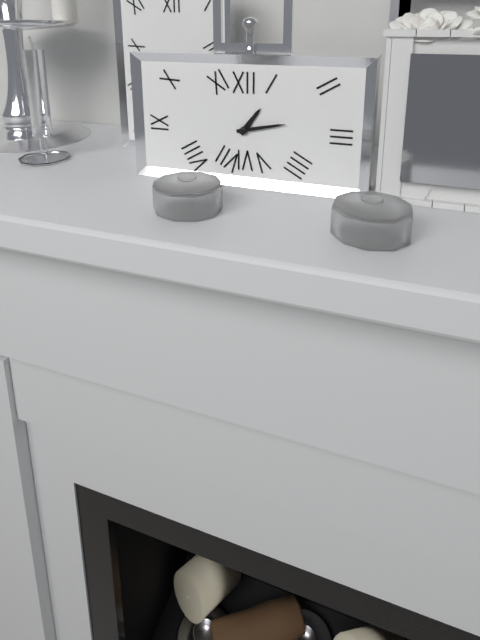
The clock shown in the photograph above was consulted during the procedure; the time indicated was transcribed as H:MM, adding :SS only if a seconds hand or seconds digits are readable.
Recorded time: 1:13
